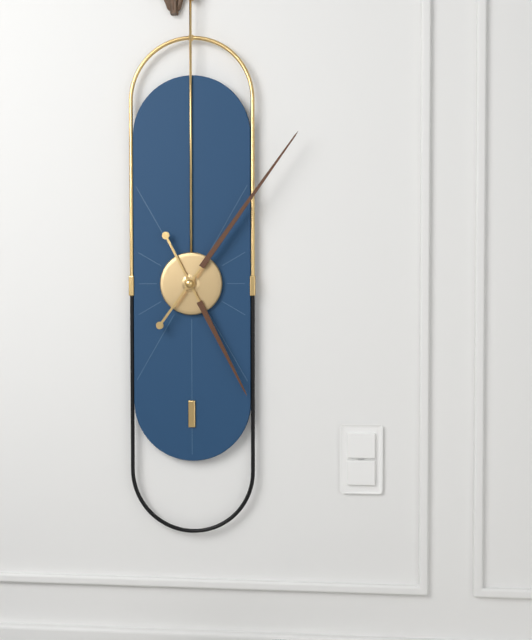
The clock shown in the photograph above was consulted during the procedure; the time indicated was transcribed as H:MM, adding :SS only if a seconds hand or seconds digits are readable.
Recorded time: 5:06
